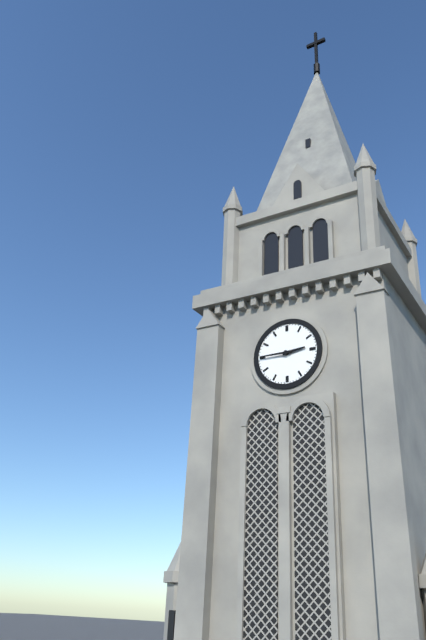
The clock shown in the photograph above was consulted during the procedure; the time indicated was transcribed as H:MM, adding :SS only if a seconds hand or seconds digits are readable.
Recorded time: 2:45
